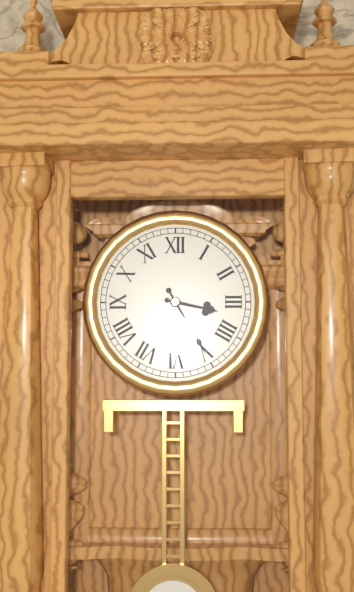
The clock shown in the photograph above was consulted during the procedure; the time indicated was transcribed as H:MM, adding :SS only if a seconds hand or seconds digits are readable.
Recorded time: 3:25
